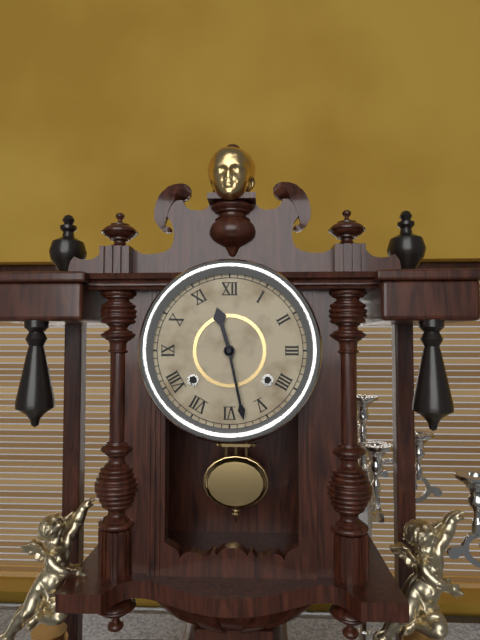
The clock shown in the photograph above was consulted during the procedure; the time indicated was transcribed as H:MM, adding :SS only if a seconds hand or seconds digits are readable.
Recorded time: 11:28
